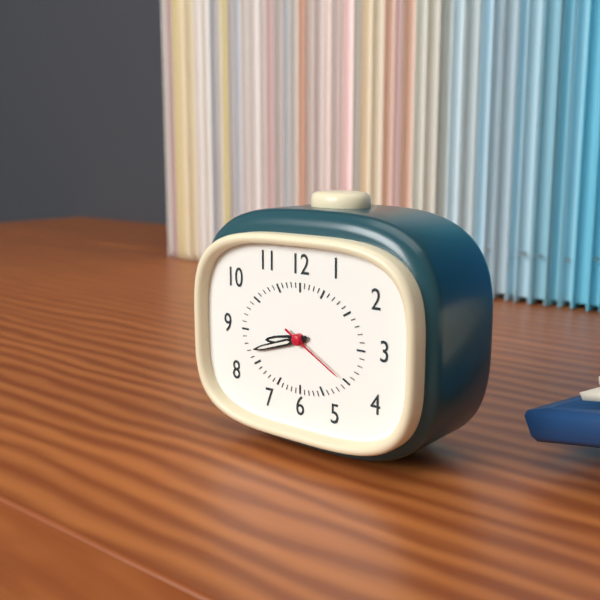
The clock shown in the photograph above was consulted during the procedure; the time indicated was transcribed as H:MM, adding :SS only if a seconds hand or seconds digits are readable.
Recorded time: 8:42:20
